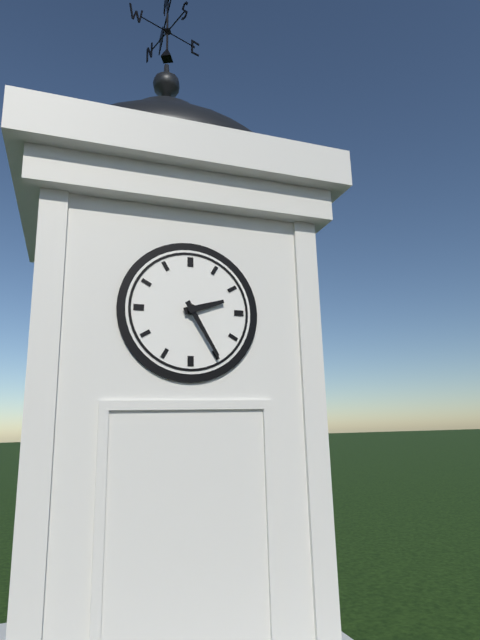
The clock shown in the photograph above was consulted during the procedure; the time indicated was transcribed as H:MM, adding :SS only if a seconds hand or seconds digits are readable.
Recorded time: 2:25
